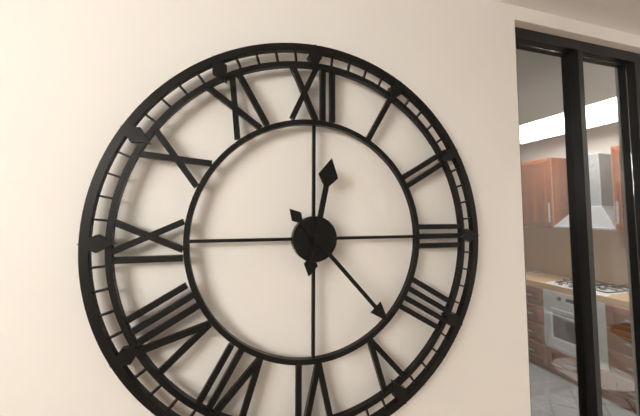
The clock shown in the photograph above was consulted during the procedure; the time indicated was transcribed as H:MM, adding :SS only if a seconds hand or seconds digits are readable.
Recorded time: 12:23
